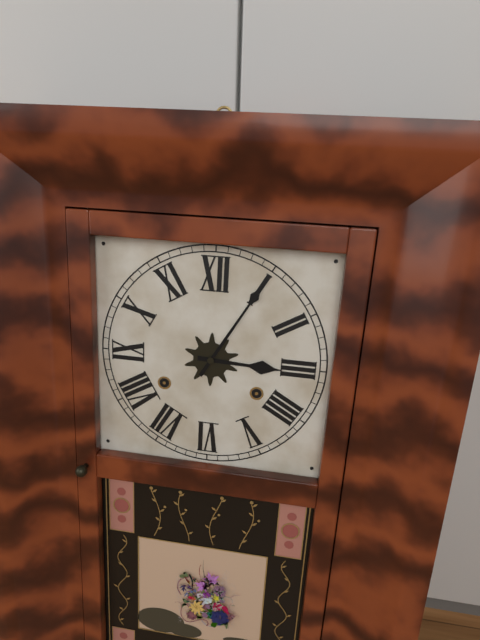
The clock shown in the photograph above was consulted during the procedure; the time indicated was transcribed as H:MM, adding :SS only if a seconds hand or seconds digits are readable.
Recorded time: 3:05
